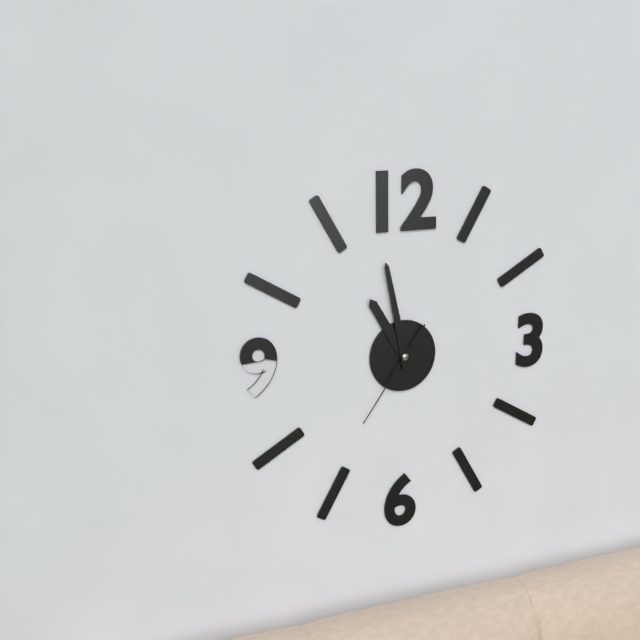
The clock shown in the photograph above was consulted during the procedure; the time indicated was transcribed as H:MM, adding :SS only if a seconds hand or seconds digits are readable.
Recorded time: 10:58:36
